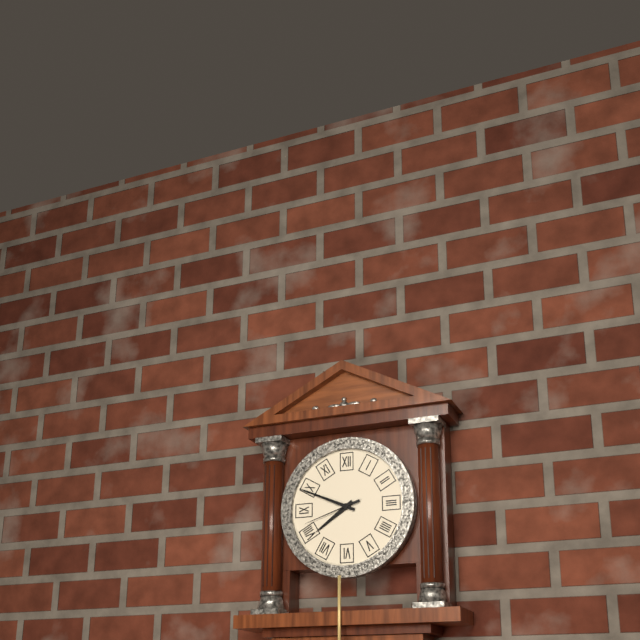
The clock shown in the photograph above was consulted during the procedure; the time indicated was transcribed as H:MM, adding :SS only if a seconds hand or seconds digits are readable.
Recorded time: 7:49:42
